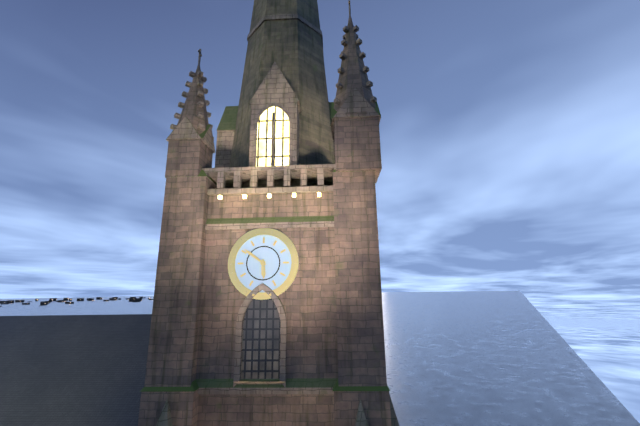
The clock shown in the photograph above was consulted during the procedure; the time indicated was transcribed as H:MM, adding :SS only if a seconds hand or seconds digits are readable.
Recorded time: 5:51
